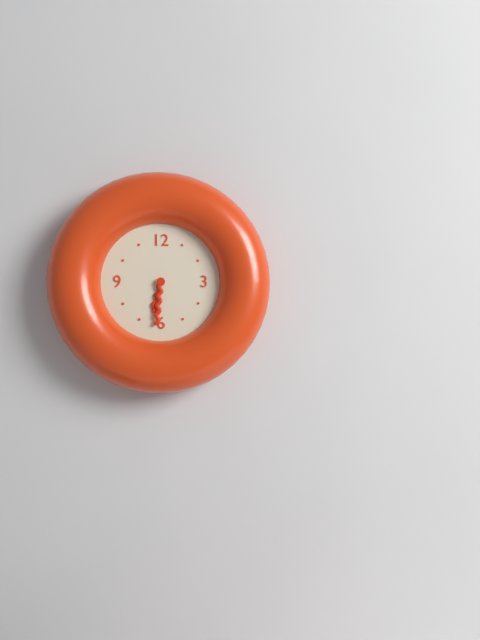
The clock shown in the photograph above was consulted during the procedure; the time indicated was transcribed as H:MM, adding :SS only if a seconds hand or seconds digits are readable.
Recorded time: 6:31
